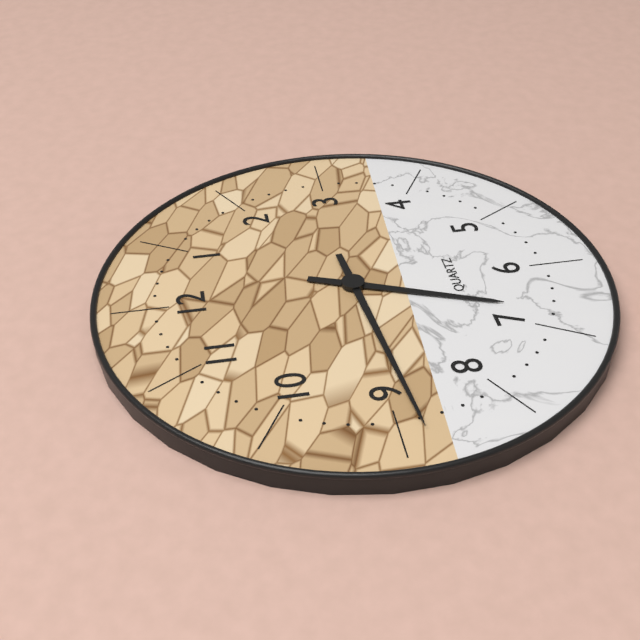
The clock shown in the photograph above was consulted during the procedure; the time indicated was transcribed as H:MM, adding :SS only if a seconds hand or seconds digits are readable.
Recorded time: 6:44
